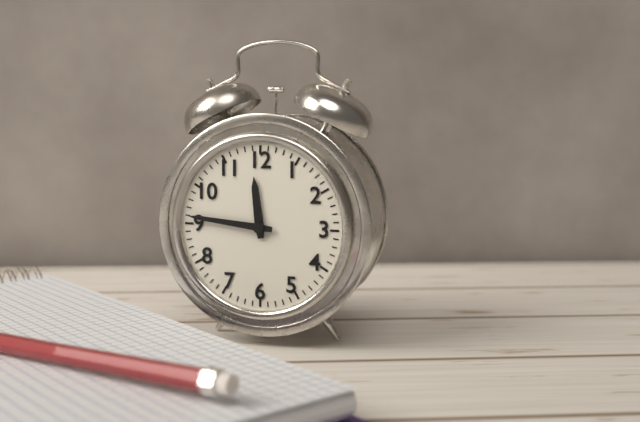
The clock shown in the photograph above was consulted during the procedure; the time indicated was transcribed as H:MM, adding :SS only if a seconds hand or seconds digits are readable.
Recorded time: 11:46
